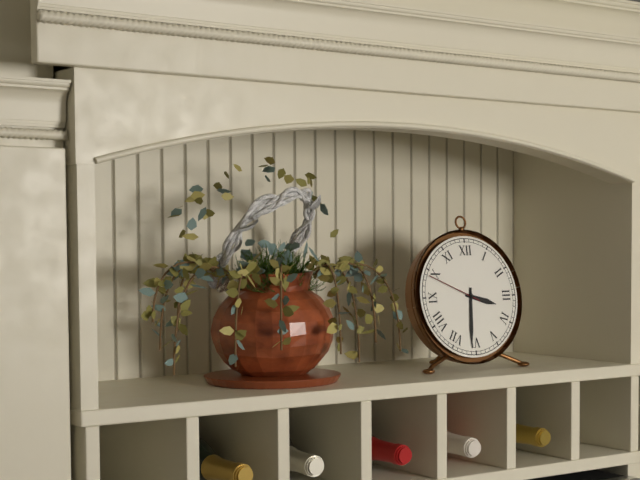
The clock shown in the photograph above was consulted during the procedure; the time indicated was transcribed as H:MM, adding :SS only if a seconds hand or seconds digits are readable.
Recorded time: 3:31:49
